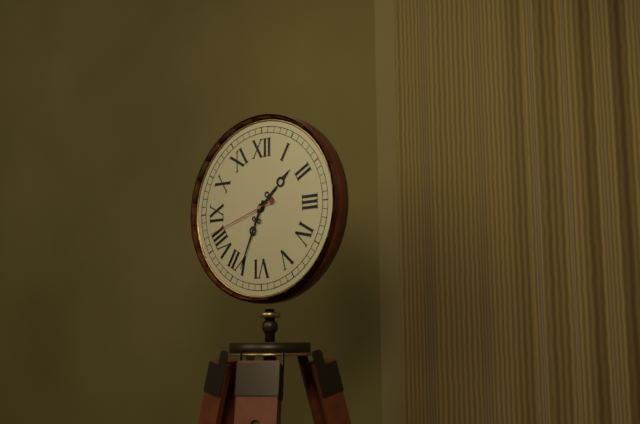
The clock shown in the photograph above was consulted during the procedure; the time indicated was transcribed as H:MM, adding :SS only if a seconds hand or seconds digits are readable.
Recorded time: 1:34:42
